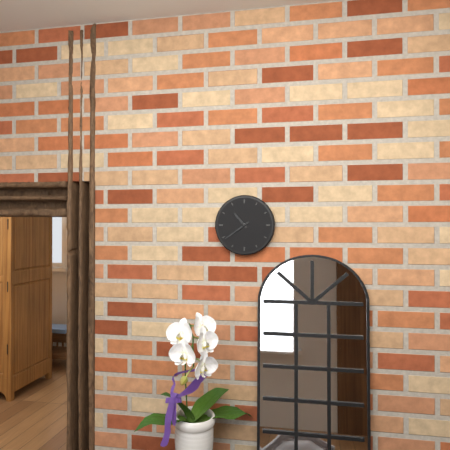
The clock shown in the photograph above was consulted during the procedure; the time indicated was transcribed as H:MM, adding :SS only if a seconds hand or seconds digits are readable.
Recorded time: 10:39
